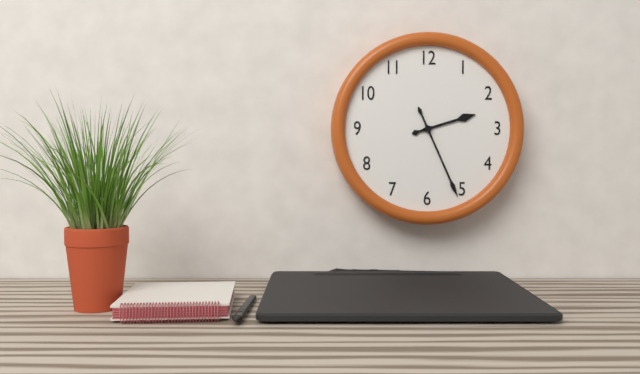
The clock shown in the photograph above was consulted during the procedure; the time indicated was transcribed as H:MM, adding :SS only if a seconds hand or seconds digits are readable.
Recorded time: 2:26
